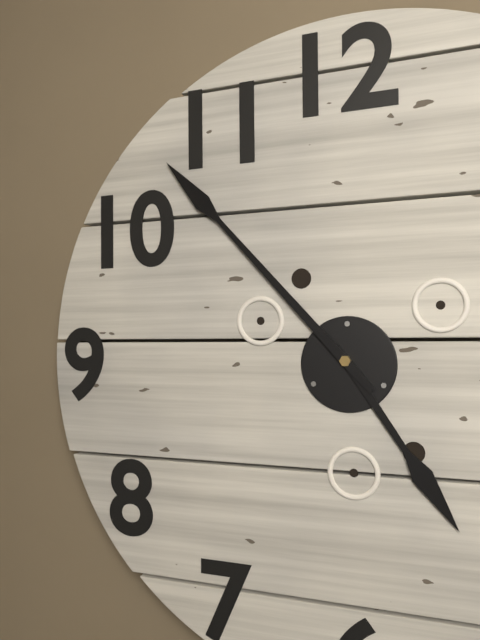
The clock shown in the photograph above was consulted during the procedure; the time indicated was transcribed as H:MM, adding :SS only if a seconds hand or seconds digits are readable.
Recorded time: 4:53
